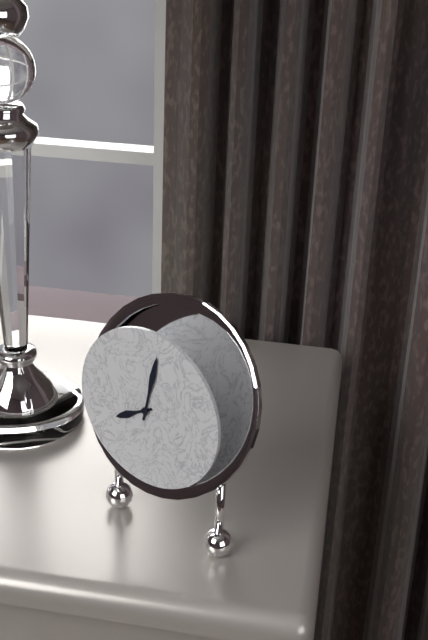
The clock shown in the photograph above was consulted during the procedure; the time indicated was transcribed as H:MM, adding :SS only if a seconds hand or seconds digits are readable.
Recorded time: 8:02
